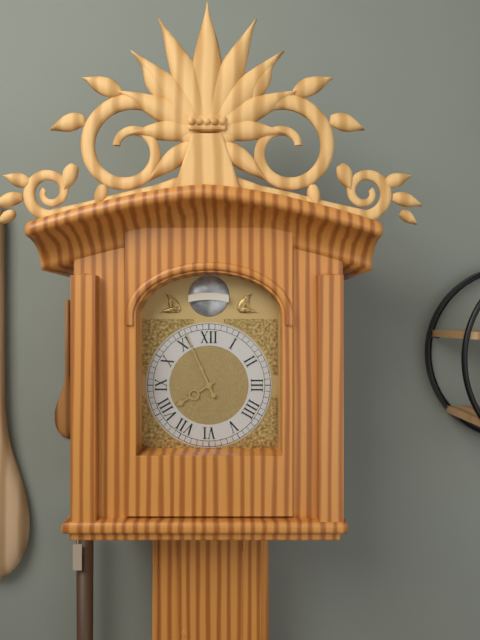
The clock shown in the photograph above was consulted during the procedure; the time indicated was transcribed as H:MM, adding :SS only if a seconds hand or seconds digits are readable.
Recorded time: 7:56
